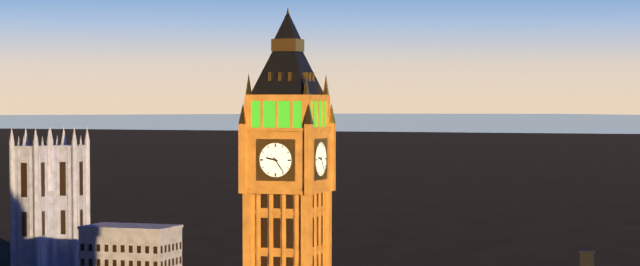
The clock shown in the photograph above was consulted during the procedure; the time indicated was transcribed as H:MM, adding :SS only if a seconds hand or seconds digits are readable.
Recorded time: 9:24
